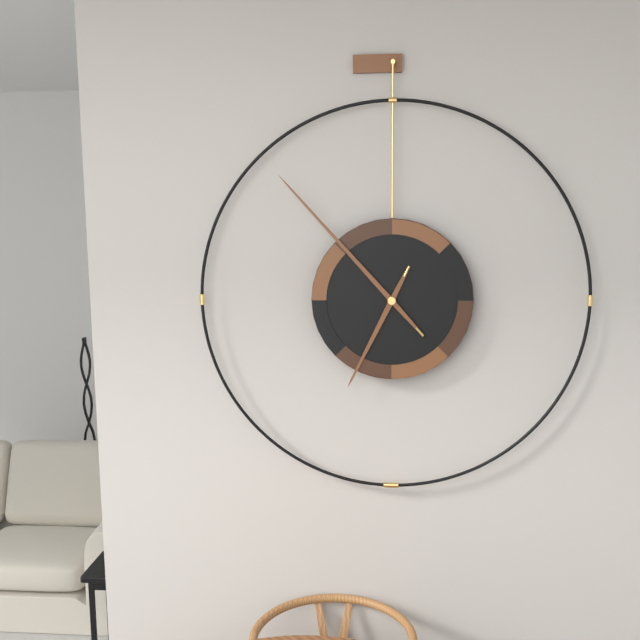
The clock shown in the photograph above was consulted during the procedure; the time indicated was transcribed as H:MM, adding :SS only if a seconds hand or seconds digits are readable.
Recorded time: 6:53
